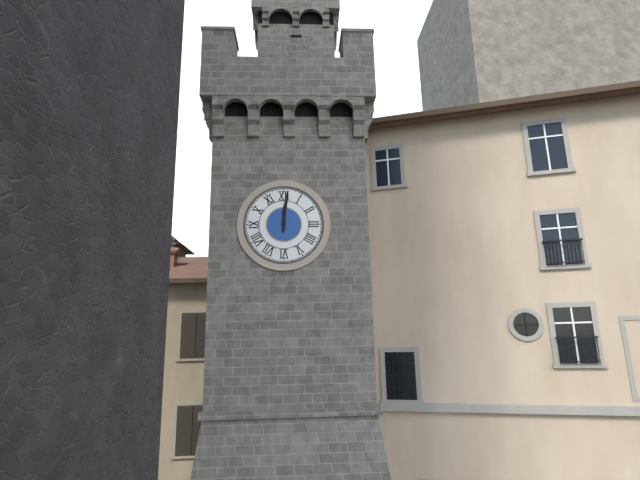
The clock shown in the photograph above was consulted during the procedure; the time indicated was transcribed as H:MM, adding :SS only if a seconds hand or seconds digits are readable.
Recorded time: 12:01
